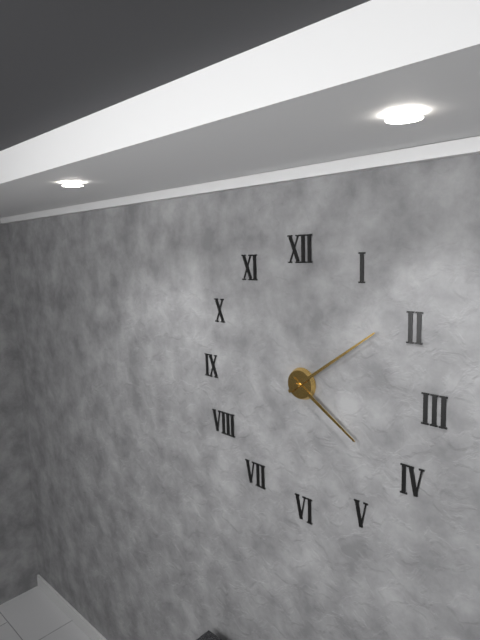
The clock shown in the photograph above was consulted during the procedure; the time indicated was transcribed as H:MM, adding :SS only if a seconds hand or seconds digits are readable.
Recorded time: 4:09
